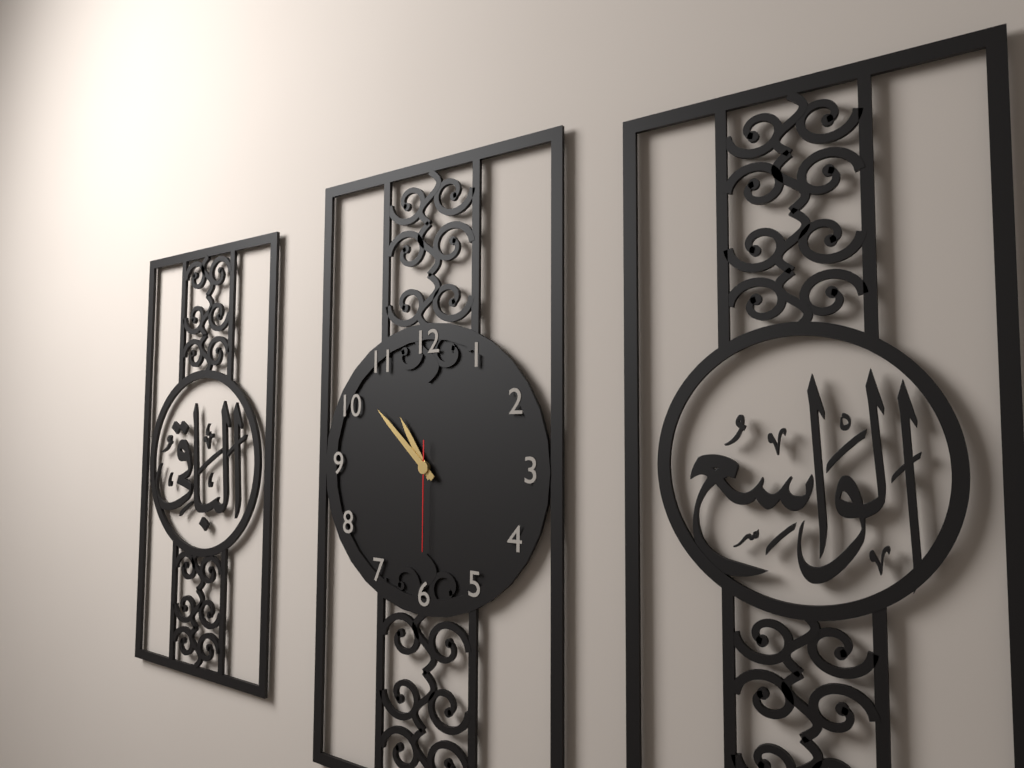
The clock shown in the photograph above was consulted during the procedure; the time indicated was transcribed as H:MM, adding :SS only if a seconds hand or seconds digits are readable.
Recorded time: 10:52:30
